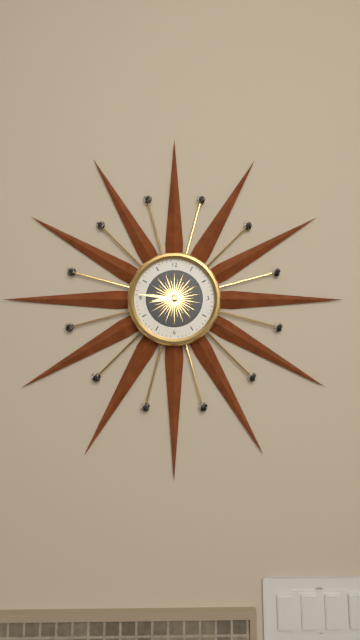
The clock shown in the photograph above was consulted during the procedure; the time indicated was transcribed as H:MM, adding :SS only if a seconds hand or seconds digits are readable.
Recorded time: 8:46
